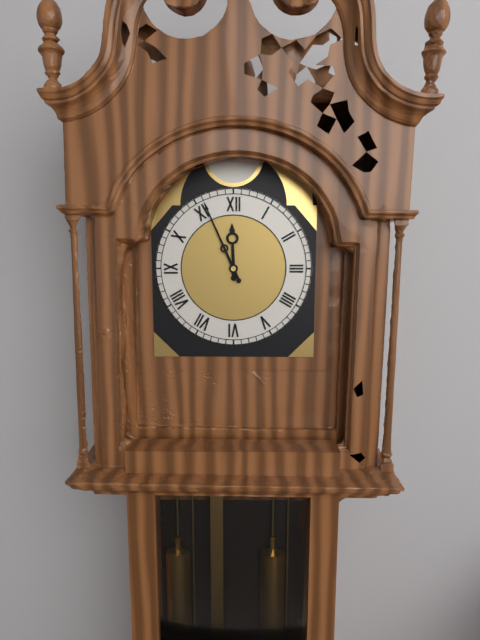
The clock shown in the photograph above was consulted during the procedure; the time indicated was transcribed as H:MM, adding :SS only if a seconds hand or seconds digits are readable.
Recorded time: 11:56
